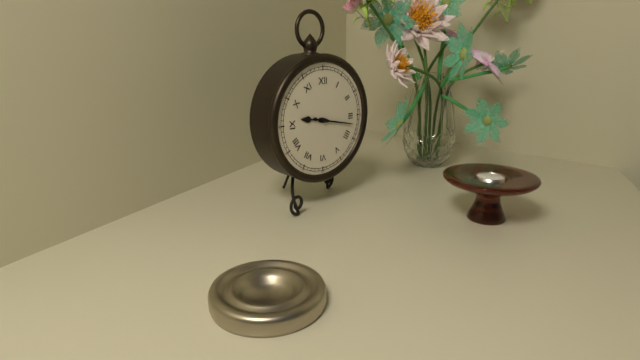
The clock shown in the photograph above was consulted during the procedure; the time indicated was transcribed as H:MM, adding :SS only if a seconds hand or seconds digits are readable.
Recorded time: 9:17
